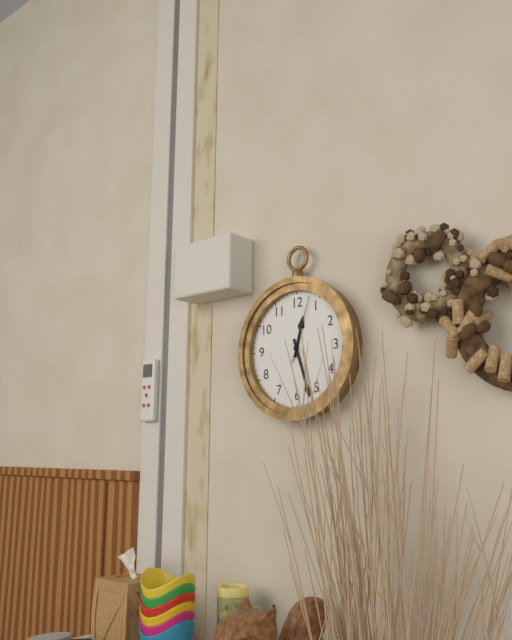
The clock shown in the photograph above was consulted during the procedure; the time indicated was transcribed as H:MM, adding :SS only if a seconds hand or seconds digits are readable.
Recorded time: 12:27:03
